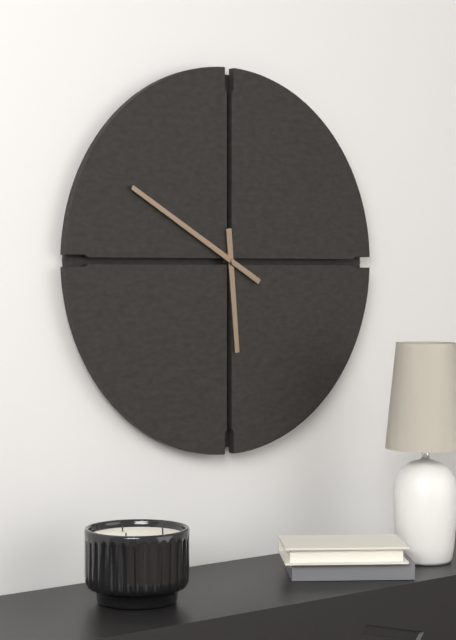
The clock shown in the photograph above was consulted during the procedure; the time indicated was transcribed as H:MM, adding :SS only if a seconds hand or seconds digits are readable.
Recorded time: 5:50
